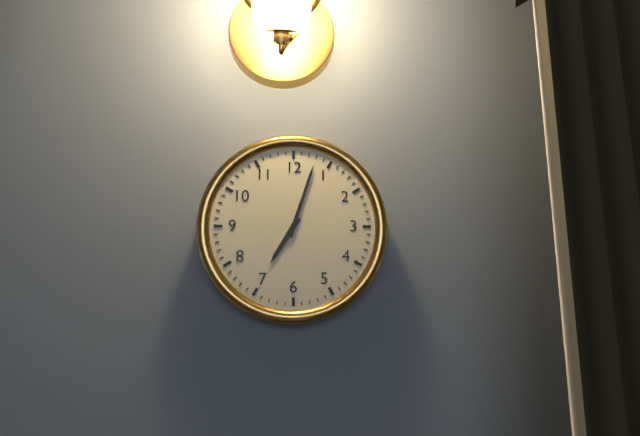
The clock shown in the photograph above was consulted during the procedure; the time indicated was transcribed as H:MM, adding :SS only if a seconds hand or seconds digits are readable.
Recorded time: 7:03
